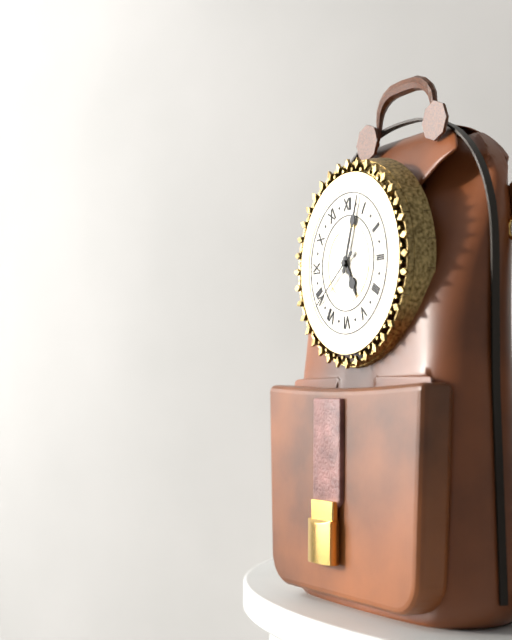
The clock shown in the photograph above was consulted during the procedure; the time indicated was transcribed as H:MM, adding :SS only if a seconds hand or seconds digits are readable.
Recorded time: 5:03:39
